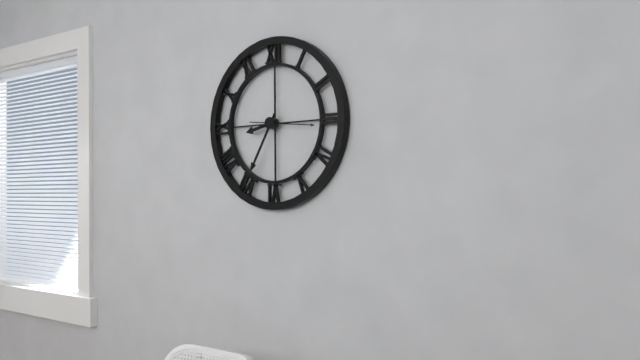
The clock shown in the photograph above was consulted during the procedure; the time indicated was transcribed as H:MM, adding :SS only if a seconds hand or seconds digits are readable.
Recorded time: 8:35:16
